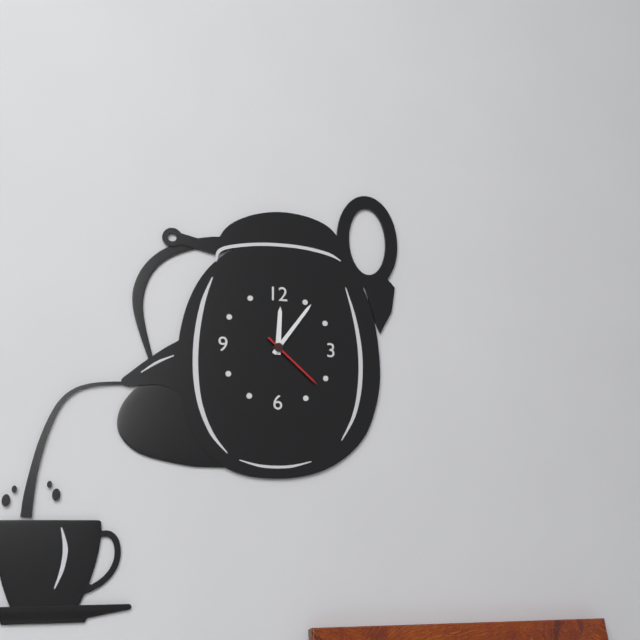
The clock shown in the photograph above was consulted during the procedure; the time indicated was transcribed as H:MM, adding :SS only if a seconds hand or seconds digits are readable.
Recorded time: 12:06:22
